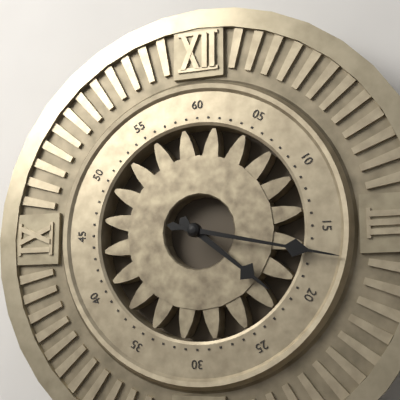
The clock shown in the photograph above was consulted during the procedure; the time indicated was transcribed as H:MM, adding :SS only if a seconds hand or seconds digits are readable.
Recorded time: 4:17
